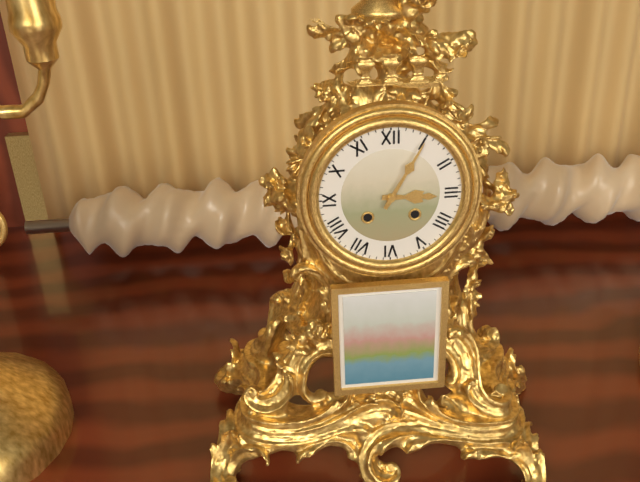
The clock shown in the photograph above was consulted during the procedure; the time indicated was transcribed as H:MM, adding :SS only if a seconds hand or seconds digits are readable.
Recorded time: 3:05
